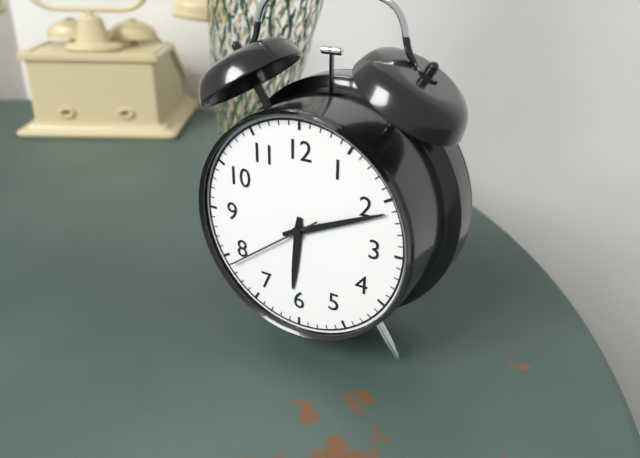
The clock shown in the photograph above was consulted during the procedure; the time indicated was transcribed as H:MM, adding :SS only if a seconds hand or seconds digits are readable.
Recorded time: 6:11:39
